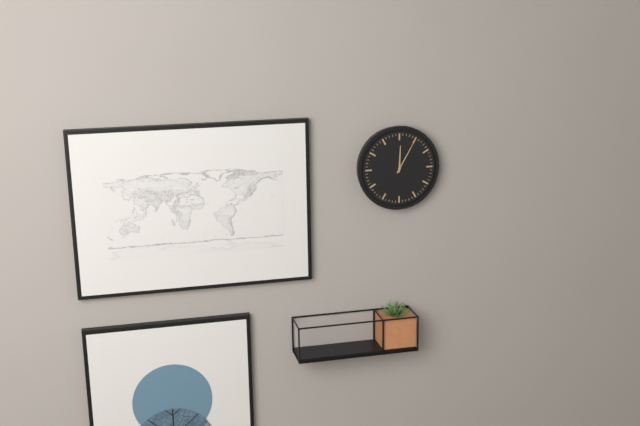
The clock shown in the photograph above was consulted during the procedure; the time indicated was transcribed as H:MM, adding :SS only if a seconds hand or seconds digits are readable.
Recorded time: 12:05
